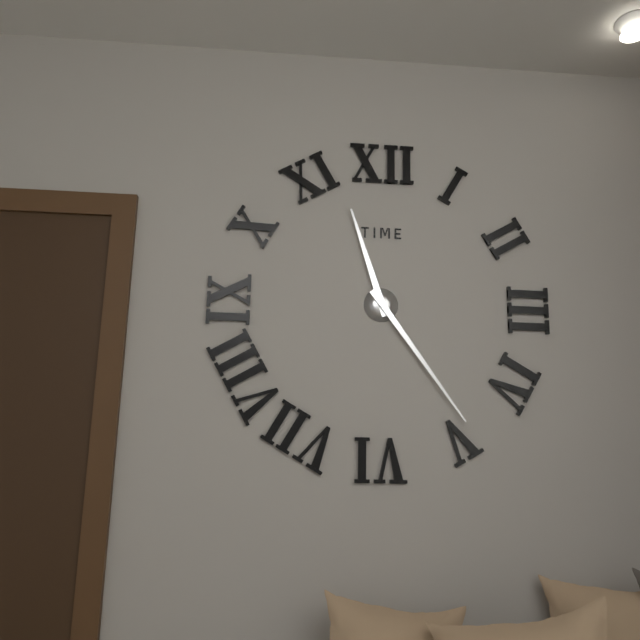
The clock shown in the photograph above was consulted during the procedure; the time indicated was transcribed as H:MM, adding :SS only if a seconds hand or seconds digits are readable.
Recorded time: 11:24
